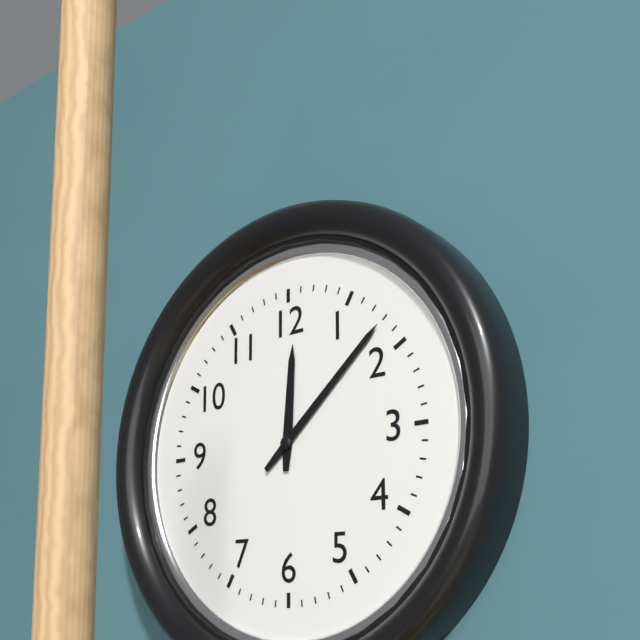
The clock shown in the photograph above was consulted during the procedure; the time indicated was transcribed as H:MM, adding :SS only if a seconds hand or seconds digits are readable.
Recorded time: 12:08
